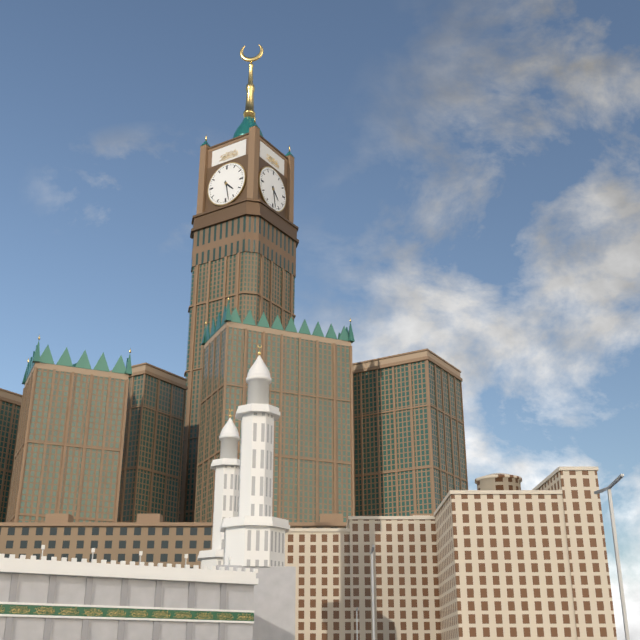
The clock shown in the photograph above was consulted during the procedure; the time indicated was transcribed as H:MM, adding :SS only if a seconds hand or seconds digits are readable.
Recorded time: 4:28
